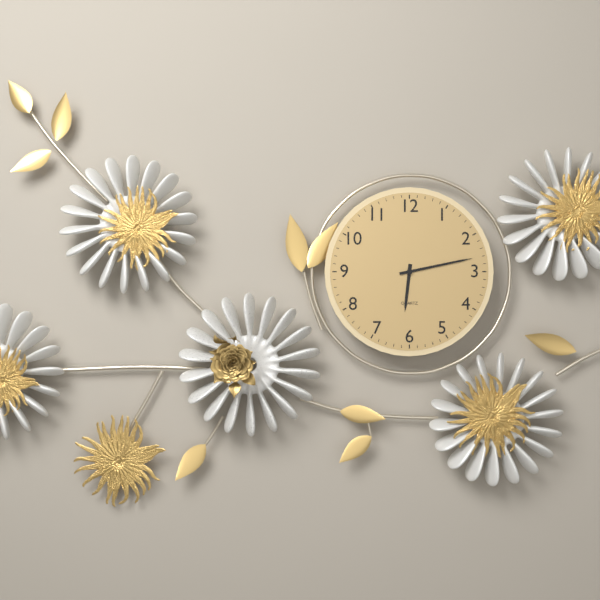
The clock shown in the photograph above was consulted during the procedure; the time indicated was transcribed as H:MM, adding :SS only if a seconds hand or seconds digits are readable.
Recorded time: 6:13
